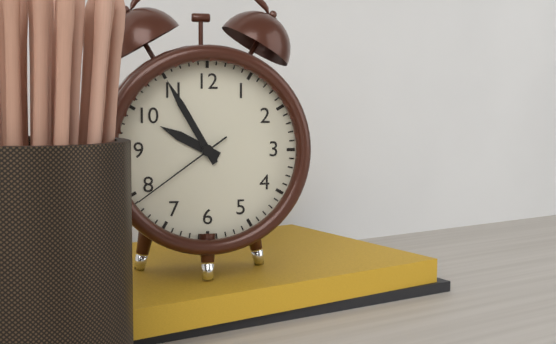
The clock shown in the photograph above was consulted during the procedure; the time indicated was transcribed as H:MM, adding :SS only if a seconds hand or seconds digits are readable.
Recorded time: 9:55:39
